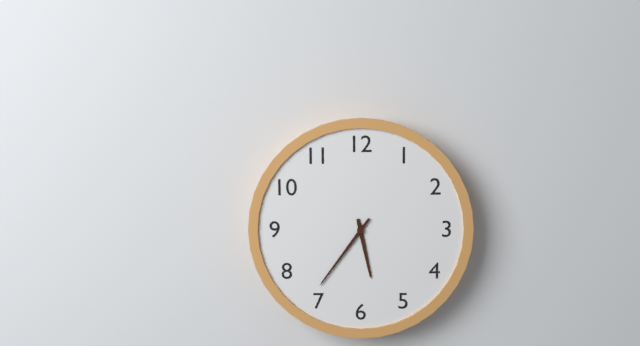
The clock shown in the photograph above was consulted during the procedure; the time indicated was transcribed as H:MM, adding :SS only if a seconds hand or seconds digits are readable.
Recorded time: 5:36
